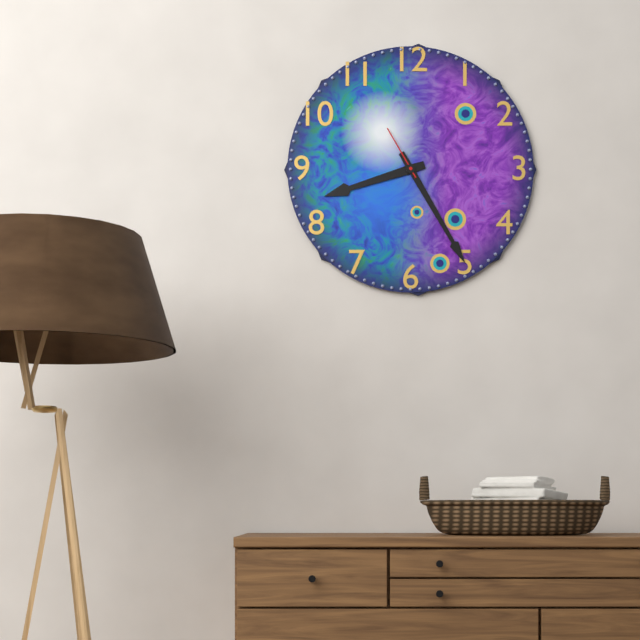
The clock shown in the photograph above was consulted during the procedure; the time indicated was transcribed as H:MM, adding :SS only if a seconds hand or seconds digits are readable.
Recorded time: 8:25:55
